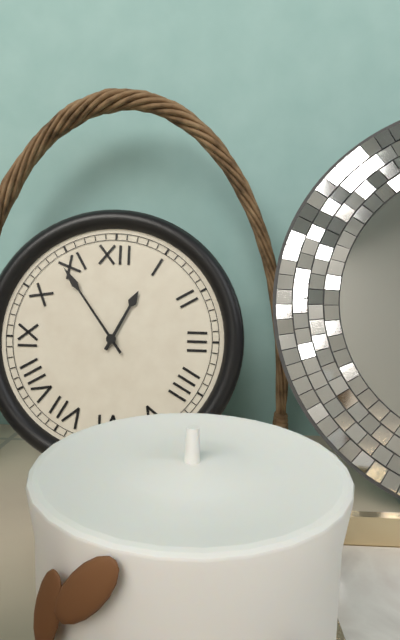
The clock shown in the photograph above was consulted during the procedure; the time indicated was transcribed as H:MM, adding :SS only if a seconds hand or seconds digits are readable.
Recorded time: 12:54
